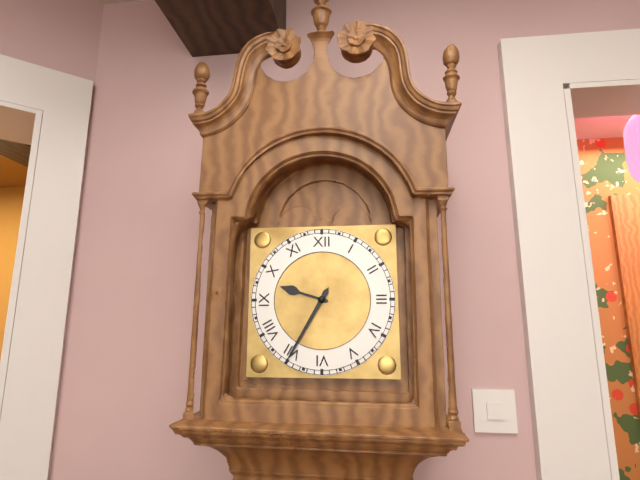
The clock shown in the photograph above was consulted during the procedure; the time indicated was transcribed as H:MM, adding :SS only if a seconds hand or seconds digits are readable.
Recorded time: 9:35
